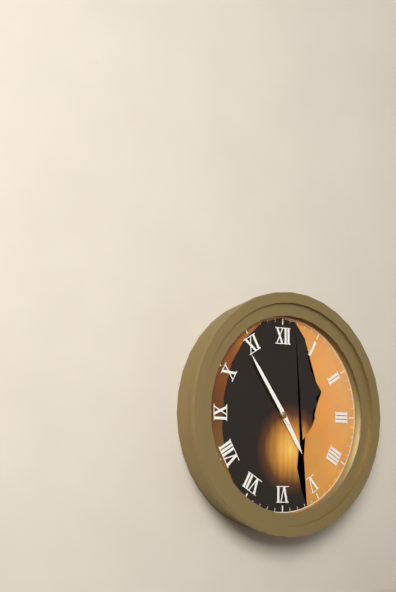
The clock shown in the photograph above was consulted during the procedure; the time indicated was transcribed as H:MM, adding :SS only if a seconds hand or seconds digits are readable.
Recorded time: 4:54
